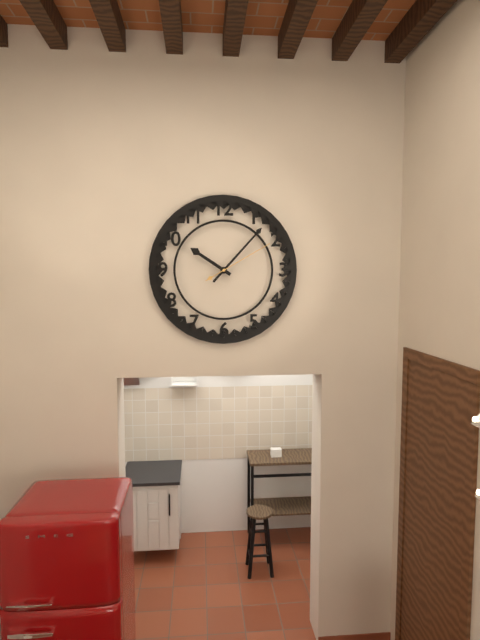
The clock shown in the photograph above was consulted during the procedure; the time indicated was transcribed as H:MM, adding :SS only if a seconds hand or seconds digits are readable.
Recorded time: 10:07:10
